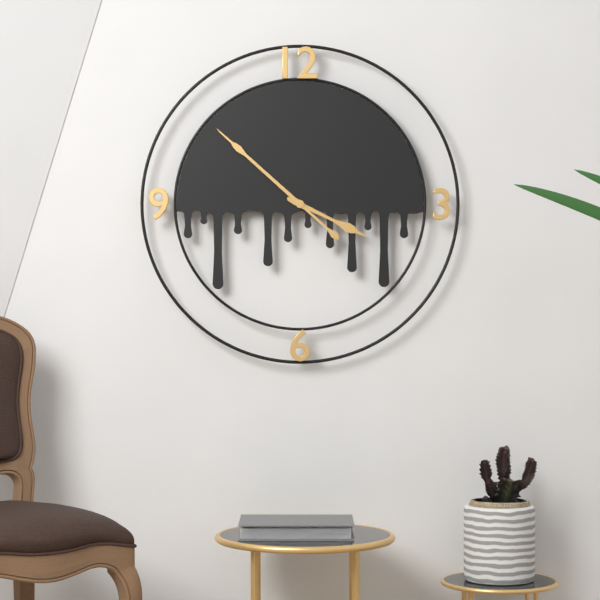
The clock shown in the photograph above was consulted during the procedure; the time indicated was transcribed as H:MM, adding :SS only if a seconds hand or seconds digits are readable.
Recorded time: 3:52
